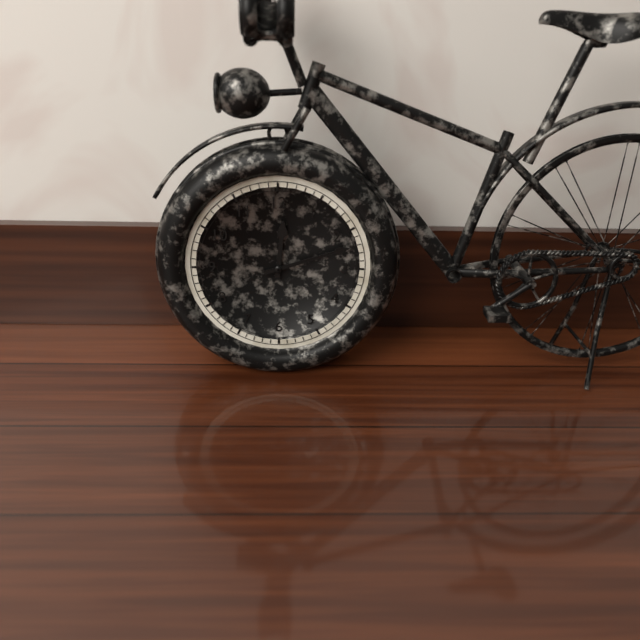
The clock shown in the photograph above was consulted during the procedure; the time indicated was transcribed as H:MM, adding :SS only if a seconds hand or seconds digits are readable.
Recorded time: 12:12
